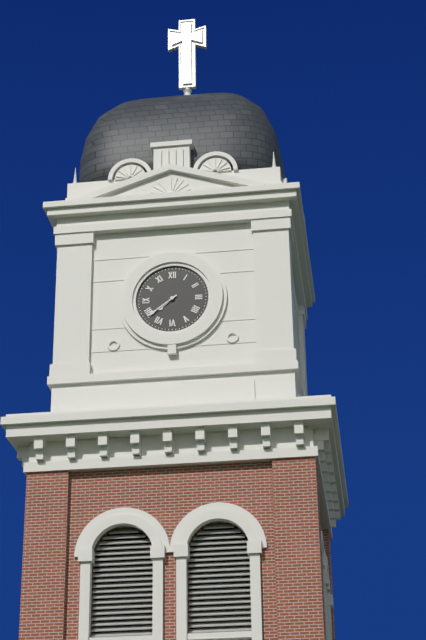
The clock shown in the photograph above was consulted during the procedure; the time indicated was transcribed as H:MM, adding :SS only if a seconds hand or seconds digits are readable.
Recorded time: 7:39
